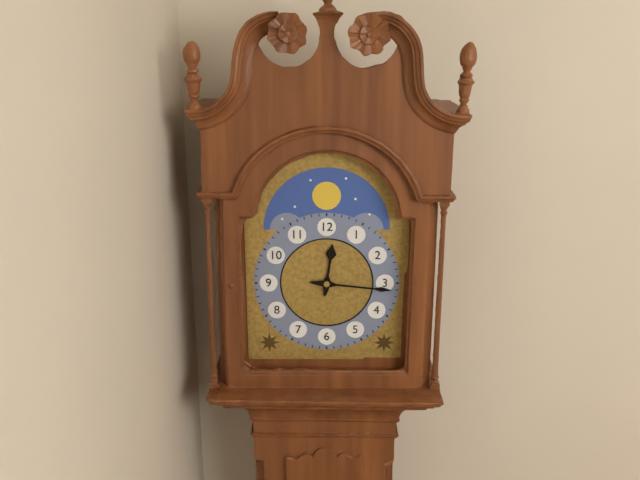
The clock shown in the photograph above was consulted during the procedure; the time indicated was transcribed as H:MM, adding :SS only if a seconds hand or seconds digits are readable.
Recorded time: 12:16
